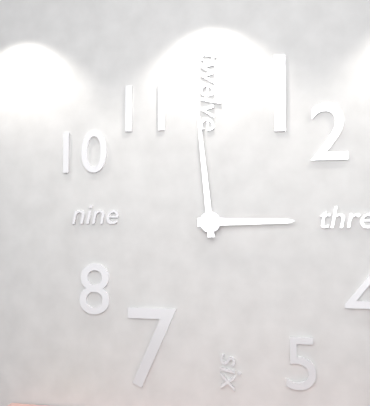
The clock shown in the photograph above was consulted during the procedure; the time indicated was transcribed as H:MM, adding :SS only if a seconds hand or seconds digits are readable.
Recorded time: 2:59
